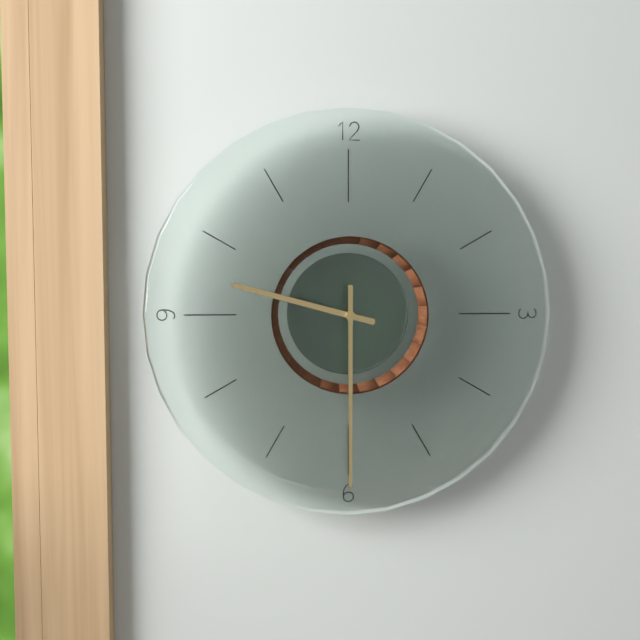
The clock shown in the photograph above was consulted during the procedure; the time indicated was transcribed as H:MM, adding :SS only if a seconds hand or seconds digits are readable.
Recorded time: 9:30
